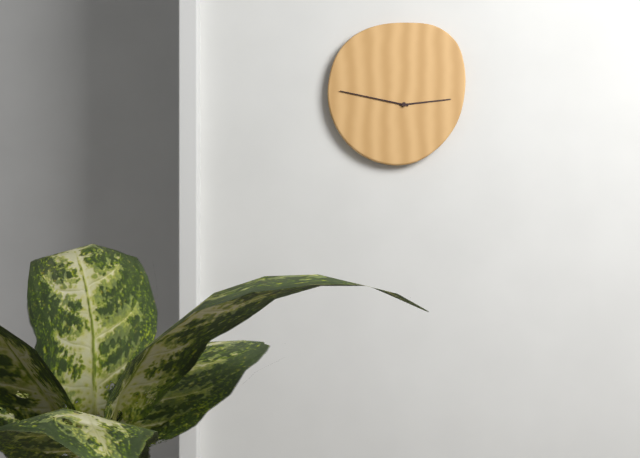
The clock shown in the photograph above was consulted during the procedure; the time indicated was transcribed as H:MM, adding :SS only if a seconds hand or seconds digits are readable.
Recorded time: 2:47
